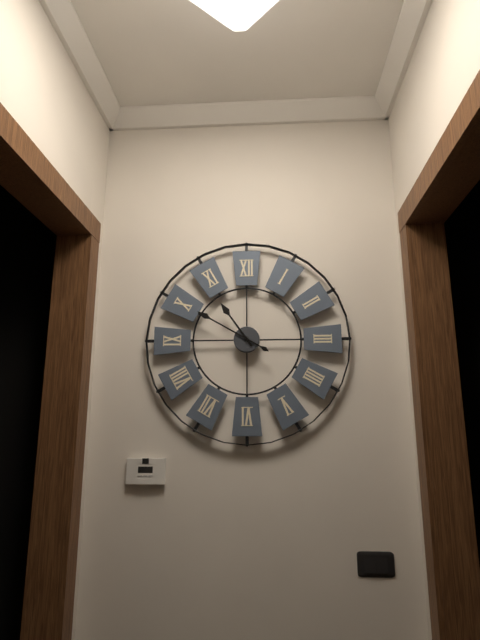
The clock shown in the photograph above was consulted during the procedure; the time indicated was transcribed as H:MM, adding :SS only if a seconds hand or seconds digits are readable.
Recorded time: 10:50
